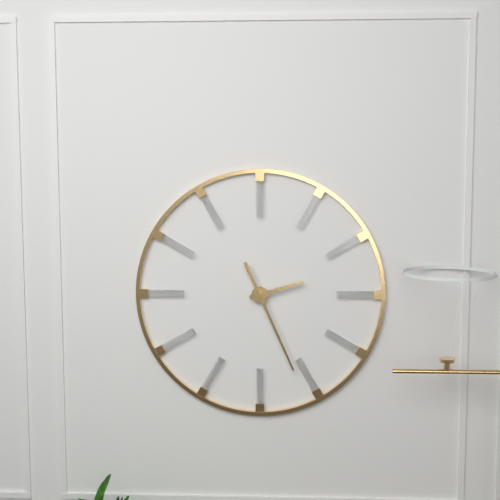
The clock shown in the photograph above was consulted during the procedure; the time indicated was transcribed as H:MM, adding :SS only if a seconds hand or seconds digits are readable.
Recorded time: 2:26
